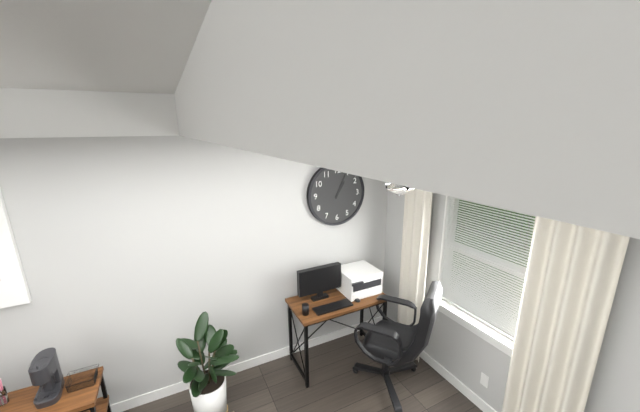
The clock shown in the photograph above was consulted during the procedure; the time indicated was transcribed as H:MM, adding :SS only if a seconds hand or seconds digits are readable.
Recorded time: 1:04
